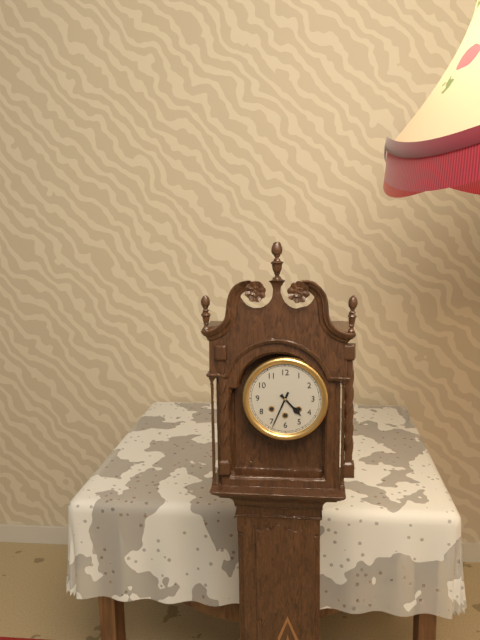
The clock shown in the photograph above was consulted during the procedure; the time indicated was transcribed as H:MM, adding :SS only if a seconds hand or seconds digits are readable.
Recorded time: 4:34
